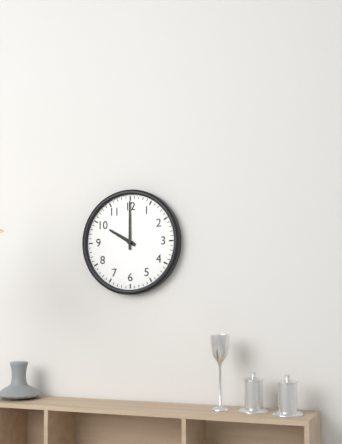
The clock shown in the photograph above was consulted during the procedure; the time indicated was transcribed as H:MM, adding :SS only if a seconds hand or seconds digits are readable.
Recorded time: 10:00
